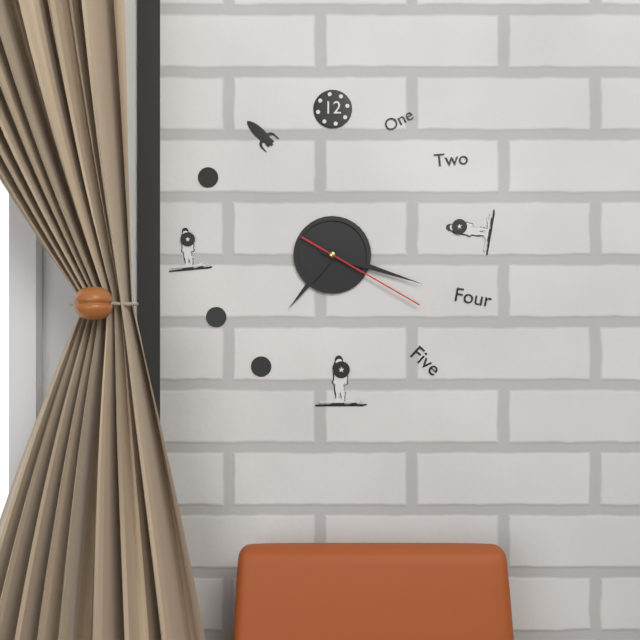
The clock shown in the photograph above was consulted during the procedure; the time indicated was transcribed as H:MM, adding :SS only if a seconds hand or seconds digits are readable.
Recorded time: 7:18:20
